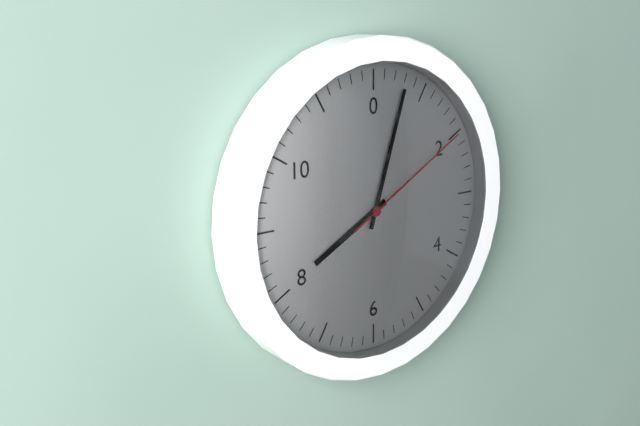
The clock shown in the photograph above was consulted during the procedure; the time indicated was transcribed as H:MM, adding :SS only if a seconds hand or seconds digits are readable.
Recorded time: 8:03:10
